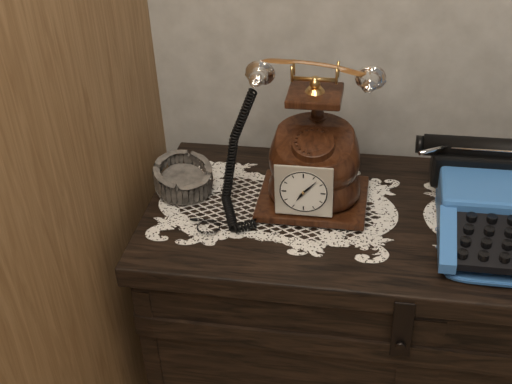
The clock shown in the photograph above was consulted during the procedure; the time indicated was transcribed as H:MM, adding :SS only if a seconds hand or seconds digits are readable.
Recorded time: 7:07
